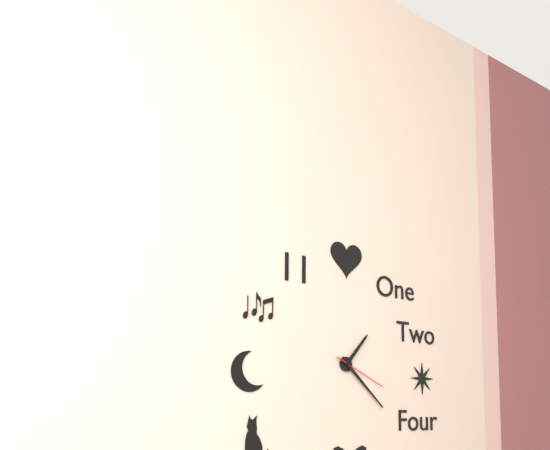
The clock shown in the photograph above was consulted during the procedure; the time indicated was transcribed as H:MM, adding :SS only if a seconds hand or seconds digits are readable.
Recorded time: 1:22:19
